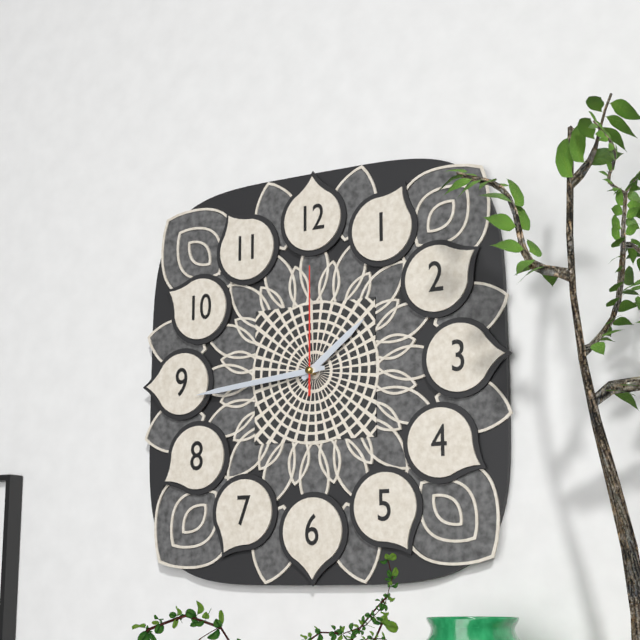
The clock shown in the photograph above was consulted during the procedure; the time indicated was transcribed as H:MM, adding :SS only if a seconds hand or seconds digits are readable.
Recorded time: 1:44:00
